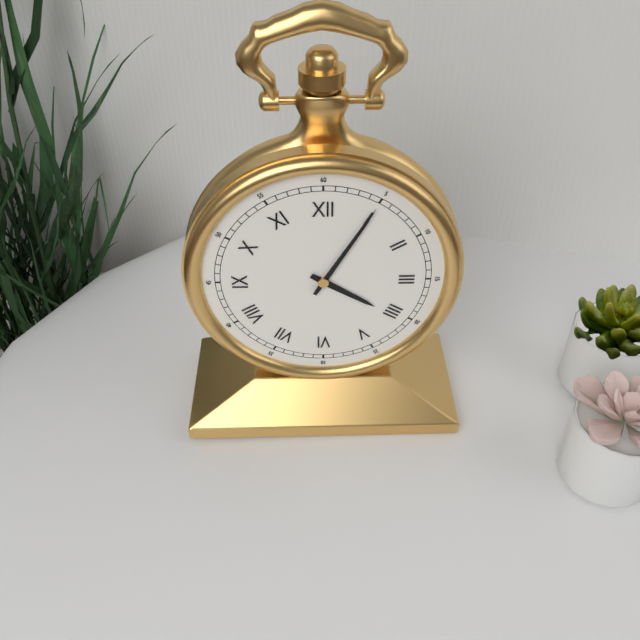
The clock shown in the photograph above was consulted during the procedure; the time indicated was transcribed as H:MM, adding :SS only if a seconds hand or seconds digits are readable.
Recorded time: 4:05
